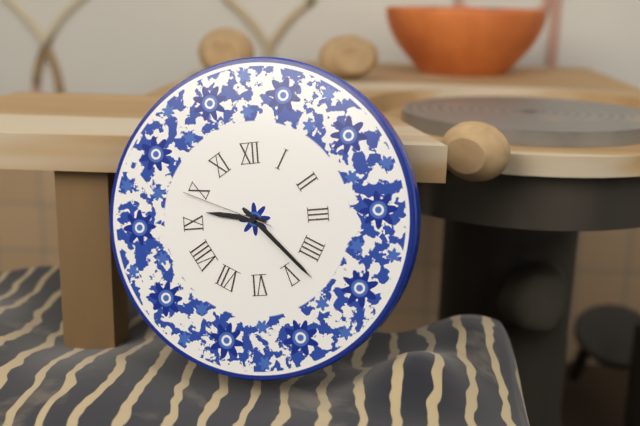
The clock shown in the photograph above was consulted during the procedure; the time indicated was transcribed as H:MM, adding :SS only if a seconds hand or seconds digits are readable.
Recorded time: 9:23:49
